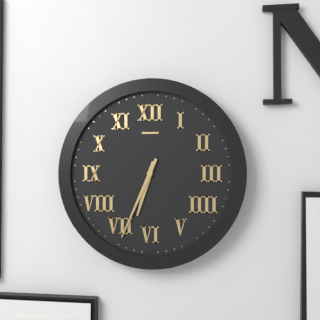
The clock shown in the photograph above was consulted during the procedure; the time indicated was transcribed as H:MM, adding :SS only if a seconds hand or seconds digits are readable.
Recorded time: 6:34
